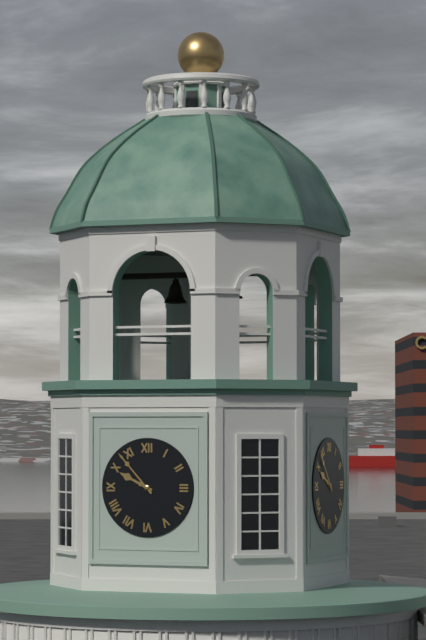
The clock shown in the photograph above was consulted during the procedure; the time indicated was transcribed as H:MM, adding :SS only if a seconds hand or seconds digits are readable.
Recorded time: 9:53
